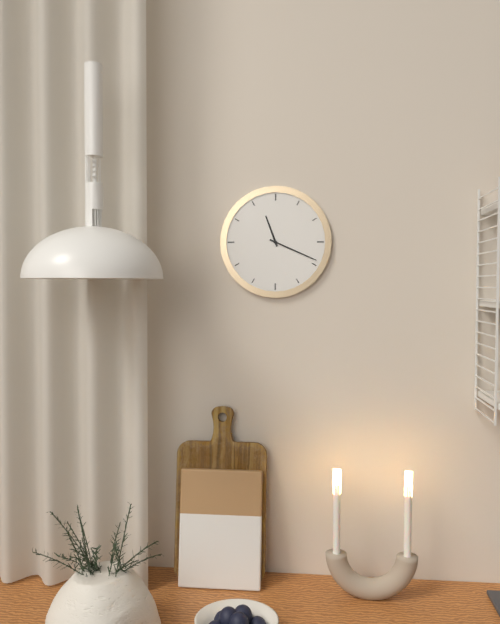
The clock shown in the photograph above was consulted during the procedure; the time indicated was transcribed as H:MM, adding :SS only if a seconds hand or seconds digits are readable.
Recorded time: 11:19
